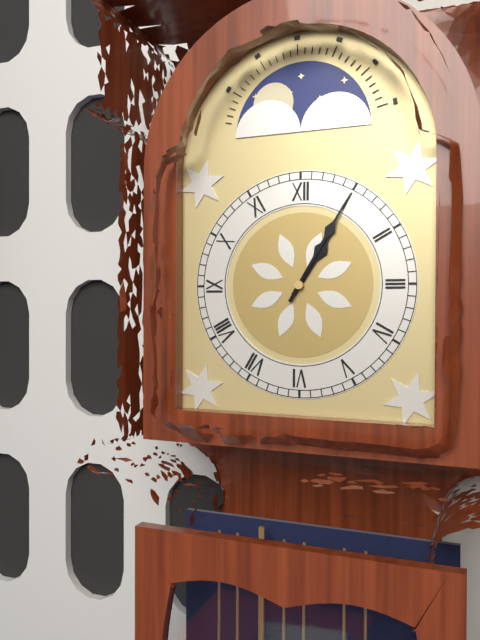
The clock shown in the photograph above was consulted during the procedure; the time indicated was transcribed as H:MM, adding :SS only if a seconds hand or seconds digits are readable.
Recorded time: 1:05
